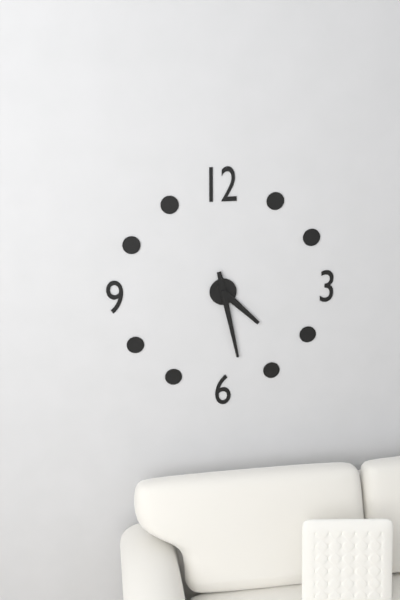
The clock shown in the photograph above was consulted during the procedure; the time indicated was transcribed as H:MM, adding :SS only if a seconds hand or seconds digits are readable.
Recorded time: 4:28
